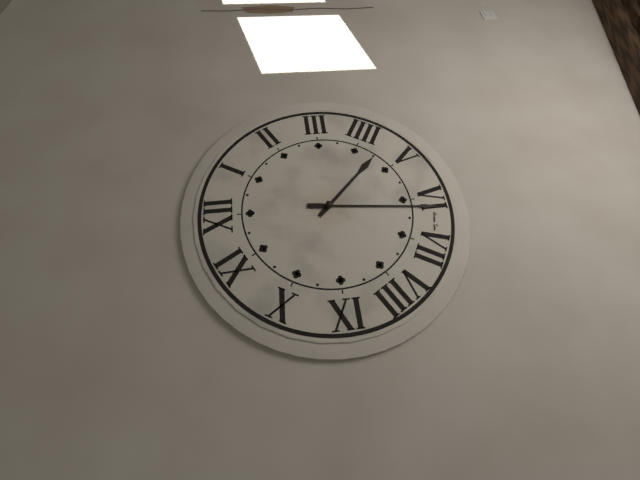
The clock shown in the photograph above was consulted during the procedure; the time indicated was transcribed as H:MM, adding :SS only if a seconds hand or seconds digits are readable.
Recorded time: 4:31
